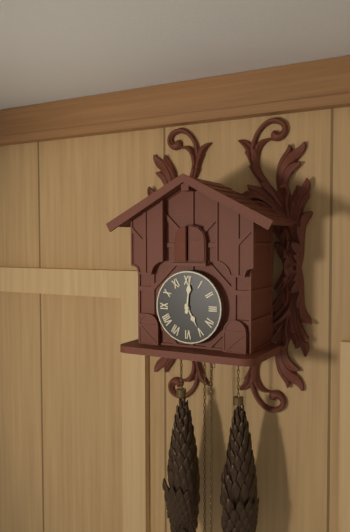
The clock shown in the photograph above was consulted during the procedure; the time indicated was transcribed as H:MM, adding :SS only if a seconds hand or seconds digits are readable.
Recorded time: 5:01
